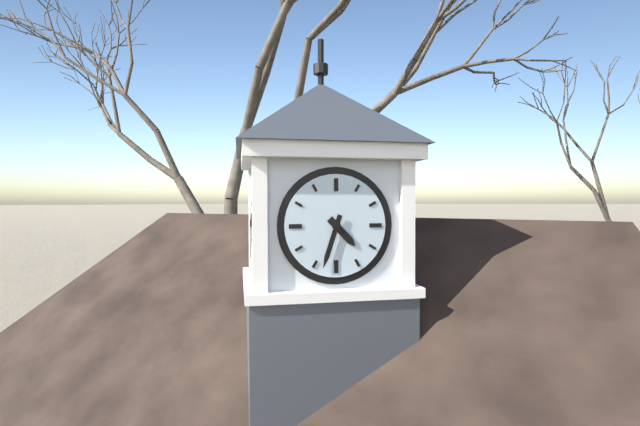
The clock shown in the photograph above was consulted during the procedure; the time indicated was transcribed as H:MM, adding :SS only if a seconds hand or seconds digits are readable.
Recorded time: 4:33
